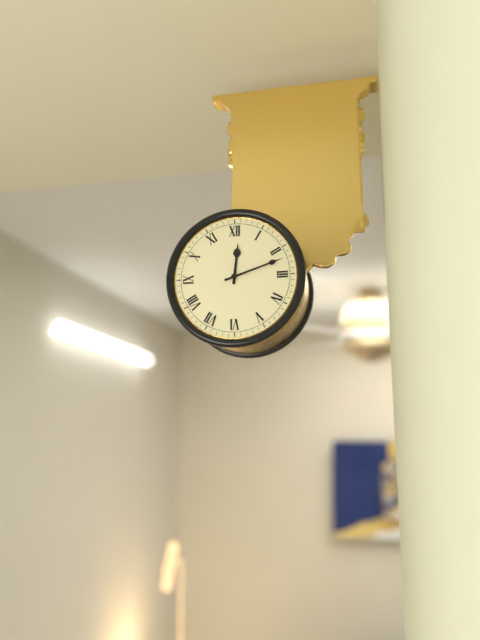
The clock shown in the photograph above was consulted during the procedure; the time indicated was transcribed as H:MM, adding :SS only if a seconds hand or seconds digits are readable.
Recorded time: 12:12
